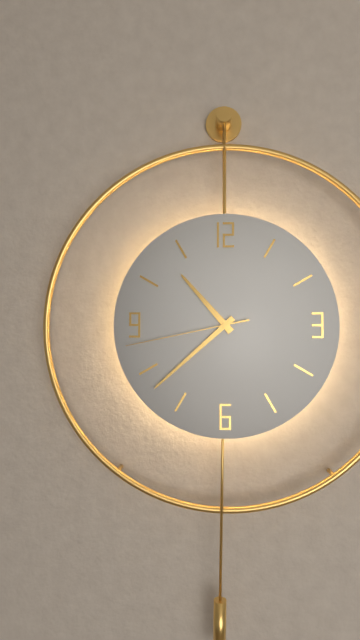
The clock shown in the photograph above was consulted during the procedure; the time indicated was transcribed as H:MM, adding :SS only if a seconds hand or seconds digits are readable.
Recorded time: 10:38:43
